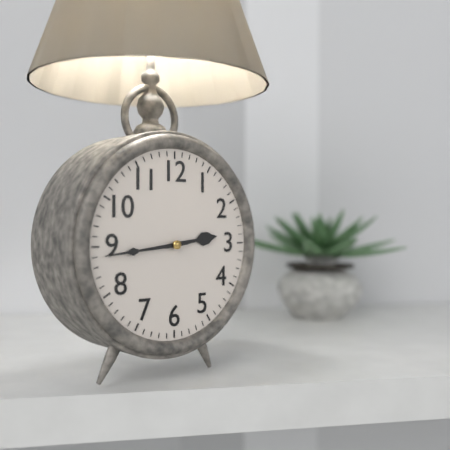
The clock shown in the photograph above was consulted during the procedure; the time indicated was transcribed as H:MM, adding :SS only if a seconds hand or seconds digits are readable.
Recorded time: 2:44
